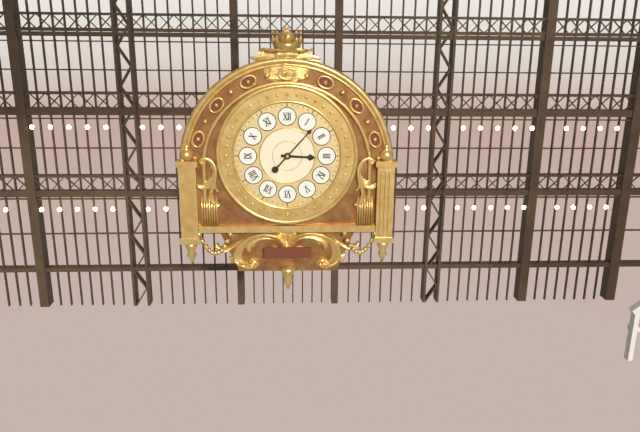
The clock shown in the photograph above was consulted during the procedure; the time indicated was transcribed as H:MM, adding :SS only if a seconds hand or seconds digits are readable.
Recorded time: 3:07
